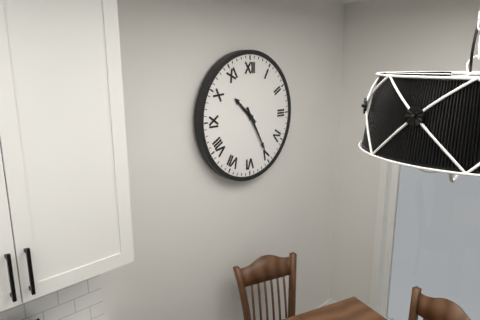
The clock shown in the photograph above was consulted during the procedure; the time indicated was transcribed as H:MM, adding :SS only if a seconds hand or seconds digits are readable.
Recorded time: 10:25
